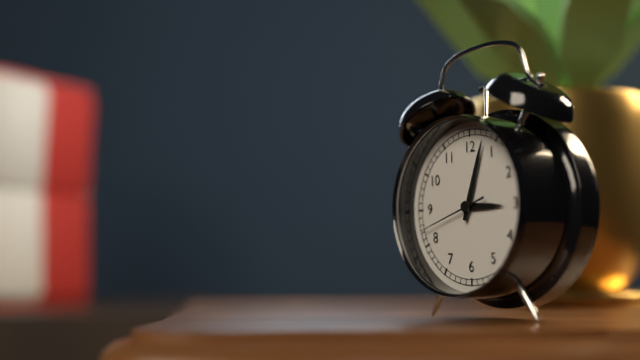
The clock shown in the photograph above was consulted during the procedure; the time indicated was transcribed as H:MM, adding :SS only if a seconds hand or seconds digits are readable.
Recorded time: 3:03:42
